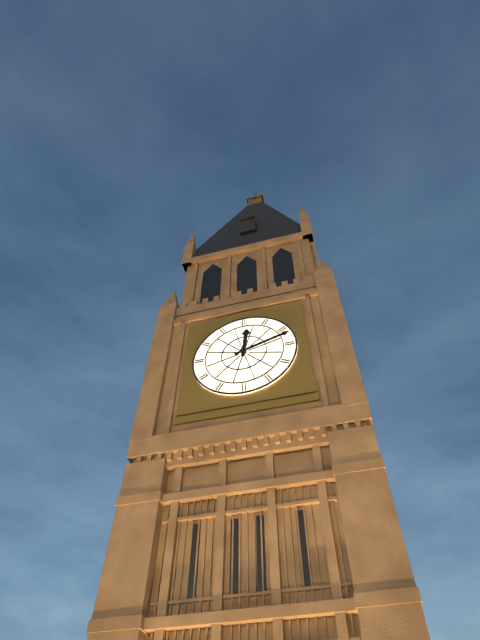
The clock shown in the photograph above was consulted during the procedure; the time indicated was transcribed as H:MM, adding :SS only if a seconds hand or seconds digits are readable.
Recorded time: 12:12
